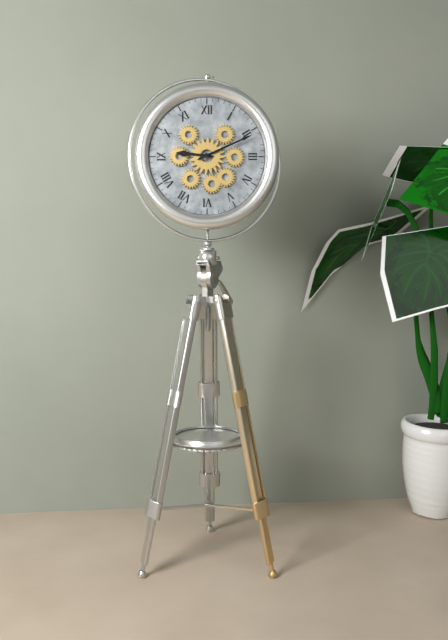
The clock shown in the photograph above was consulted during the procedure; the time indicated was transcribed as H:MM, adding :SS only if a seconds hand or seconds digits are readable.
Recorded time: 9:11
